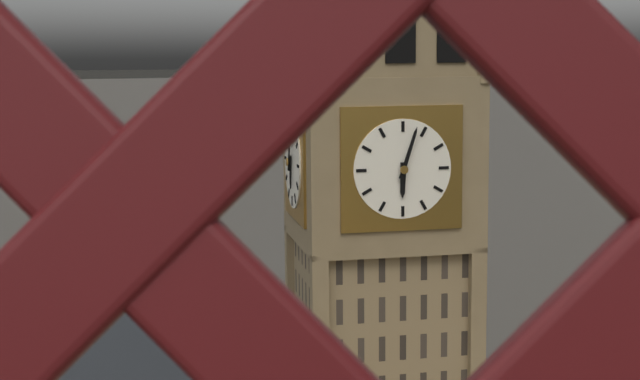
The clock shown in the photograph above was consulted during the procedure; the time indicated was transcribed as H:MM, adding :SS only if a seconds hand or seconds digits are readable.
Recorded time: 6:03
